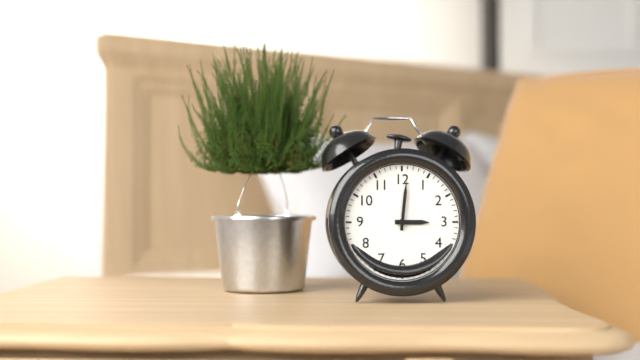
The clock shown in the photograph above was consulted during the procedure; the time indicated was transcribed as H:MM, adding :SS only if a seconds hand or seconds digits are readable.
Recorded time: 3:01
